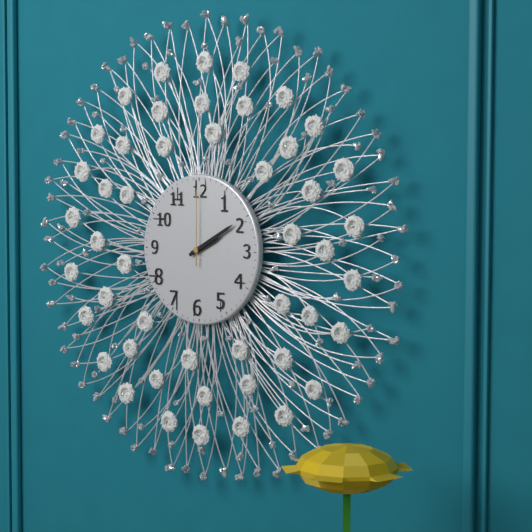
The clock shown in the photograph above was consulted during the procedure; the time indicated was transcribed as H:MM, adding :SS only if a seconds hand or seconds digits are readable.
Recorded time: 2:10:00
